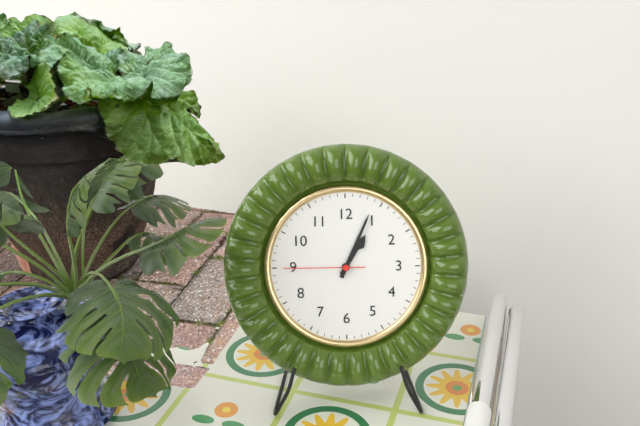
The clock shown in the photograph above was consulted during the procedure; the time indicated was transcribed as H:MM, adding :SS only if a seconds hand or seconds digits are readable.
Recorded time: 1:04:45
